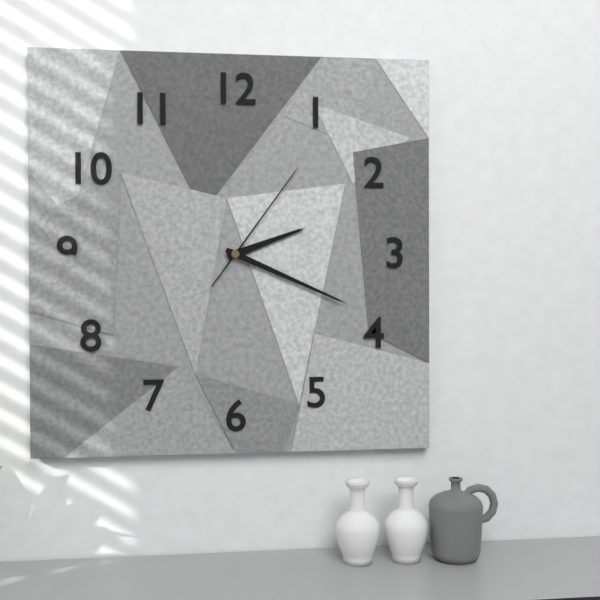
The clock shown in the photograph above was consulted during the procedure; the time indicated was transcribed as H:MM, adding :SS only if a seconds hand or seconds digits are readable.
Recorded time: 2:19:06
